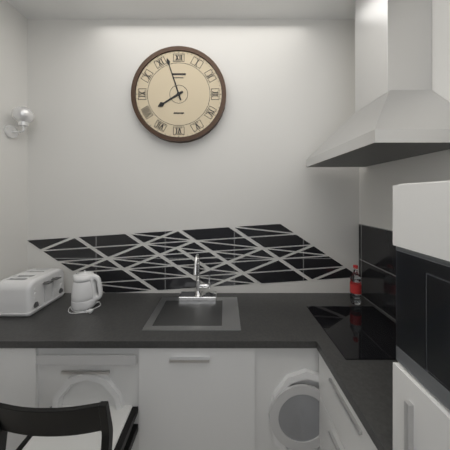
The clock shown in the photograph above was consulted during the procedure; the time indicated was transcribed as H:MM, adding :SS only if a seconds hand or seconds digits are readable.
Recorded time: 7:57
